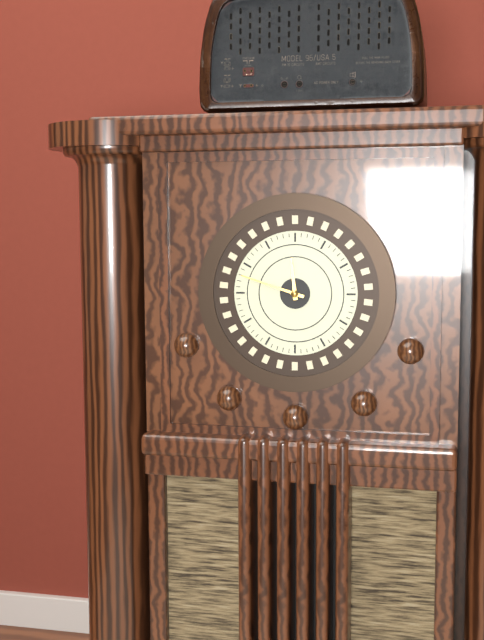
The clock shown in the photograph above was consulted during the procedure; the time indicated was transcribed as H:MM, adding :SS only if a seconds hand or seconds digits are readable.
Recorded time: 11:48
